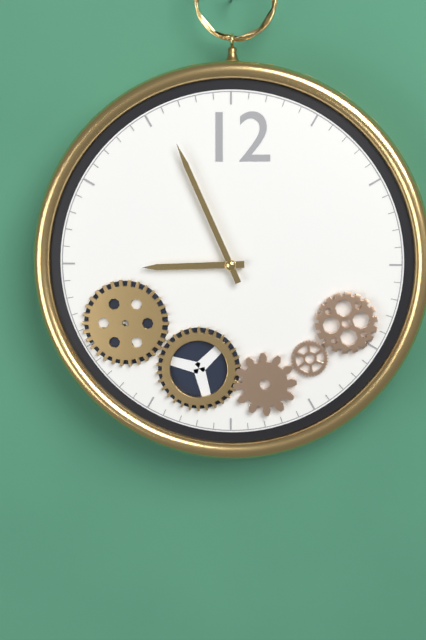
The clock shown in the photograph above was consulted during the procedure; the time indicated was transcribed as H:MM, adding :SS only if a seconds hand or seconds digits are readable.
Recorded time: 8:56
